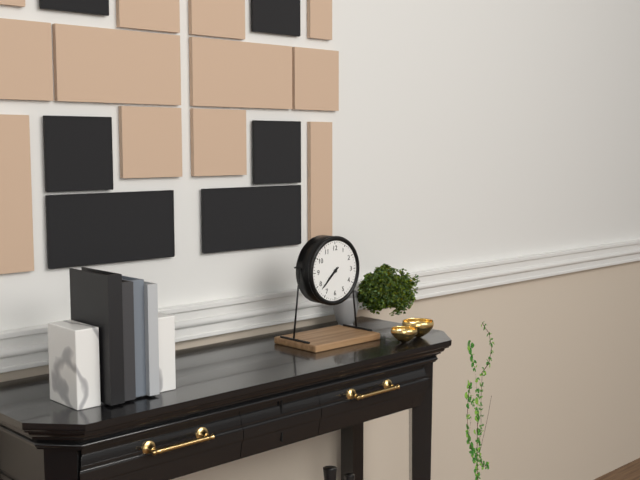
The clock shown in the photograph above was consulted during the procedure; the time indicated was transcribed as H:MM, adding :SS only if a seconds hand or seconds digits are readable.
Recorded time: 7:38
